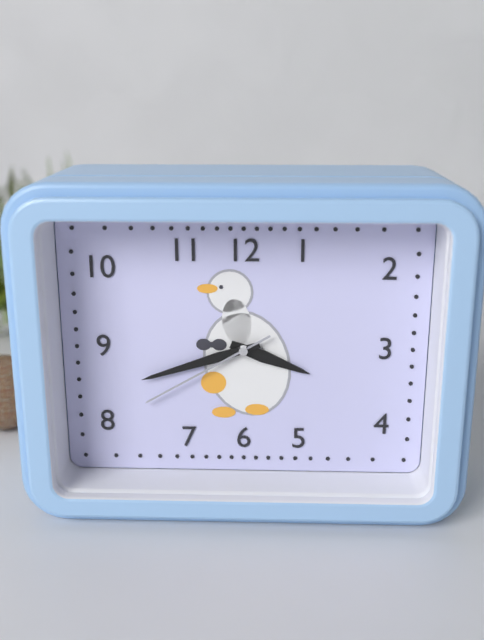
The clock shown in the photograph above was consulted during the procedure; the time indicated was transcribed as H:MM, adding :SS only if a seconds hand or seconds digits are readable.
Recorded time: 3:42:40
